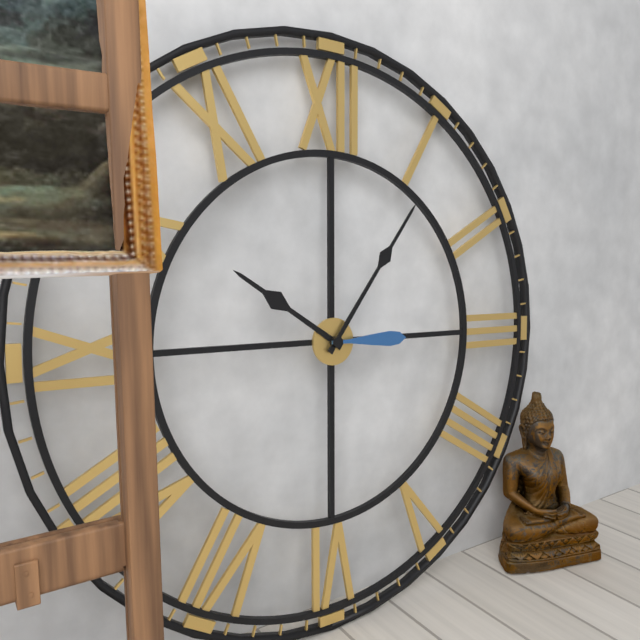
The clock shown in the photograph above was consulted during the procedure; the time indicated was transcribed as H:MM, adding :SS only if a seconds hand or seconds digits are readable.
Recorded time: 10:06:15
